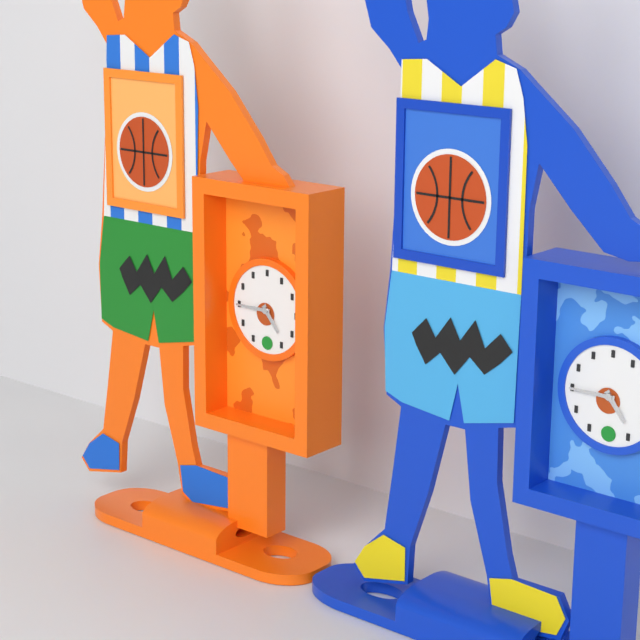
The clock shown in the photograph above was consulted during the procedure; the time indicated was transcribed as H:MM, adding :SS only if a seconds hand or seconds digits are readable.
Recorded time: 4:45
